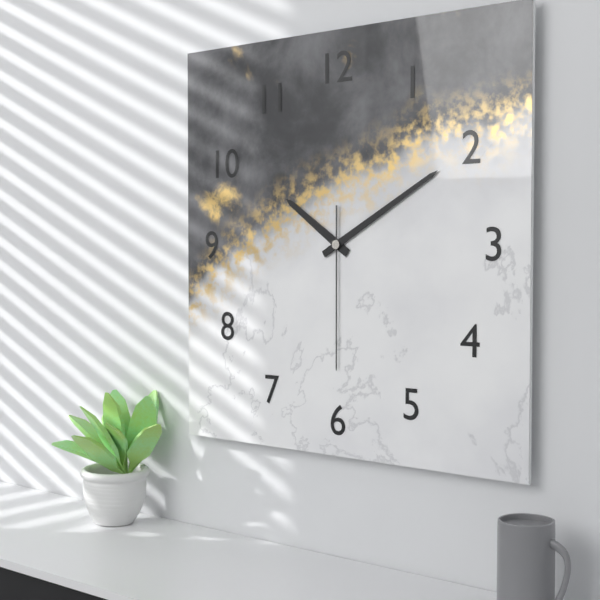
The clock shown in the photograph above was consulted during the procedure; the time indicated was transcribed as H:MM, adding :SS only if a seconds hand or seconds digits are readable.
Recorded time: 10:10:30
